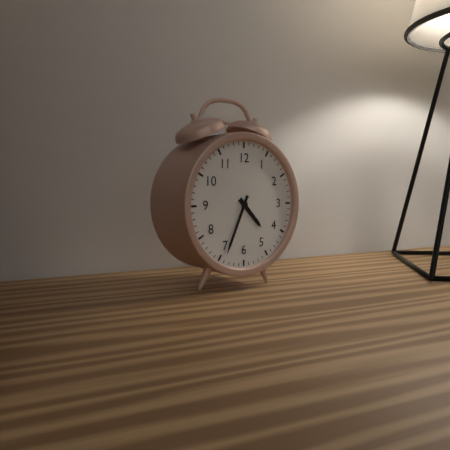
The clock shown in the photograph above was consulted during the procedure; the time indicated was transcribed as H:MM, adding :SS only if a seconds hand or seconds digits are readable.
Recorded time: 4:34
